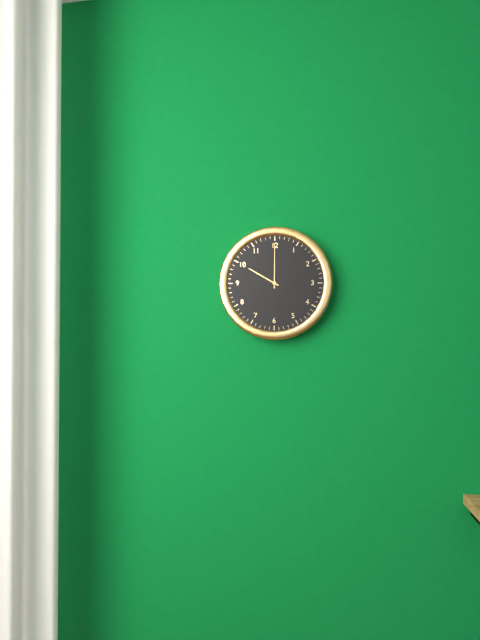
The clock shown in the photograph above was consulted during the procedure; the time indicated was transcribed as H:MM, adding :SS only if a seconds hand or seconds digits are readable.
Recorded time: 10:00
